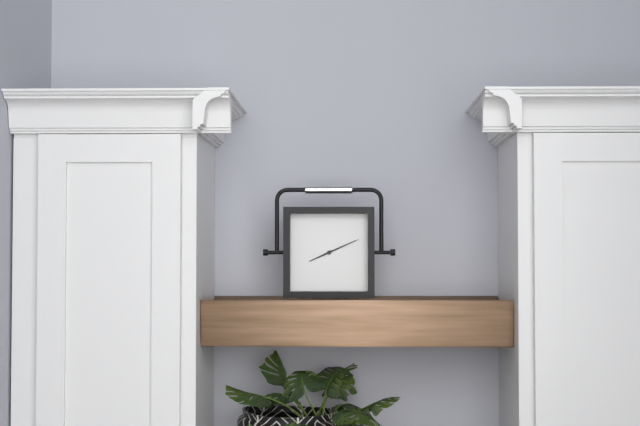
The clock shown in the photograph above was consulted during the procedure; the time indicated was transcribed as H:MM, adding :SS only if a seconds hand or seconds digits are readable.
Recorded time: 8:11
